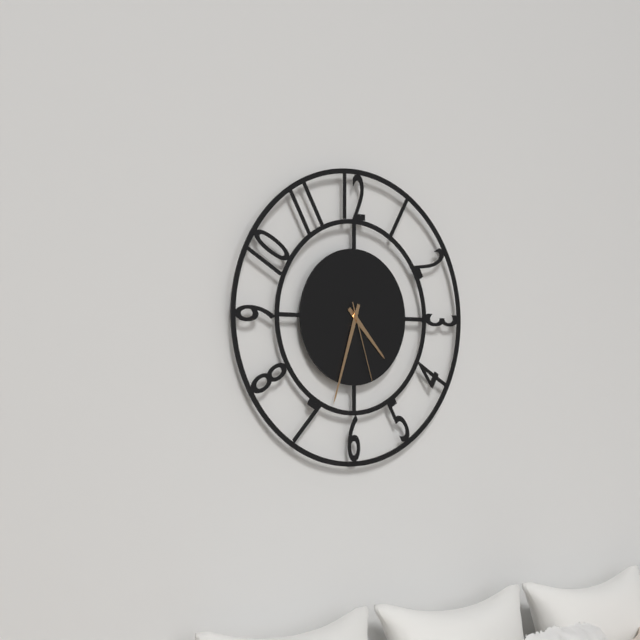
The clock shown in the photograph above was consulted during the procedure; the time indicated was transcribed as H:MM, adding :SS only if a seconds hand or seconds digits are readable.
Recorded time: 4:33:27
